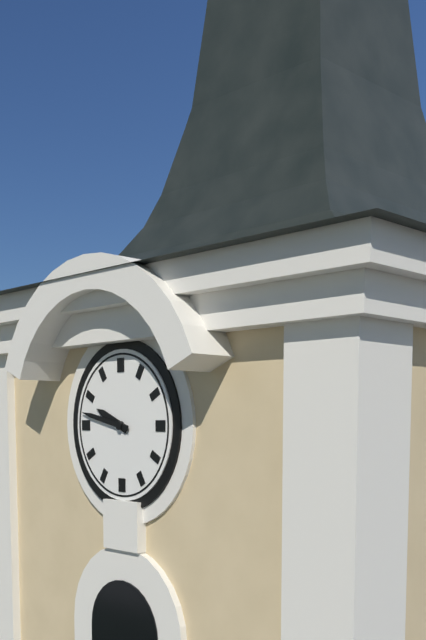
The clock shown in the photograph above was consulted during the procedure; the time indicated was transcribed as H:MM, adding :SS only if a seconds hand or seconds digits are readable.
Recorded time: 9:47
